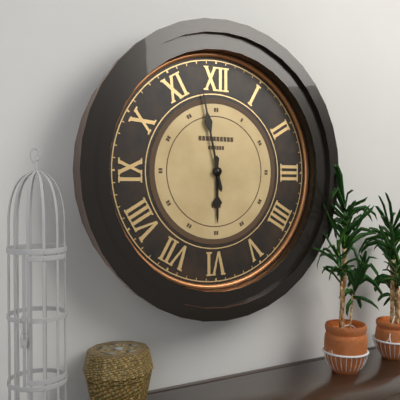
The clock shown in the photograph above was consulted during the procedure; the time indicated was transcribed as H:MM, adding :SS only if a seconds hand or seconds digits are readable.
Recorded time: 5:58
